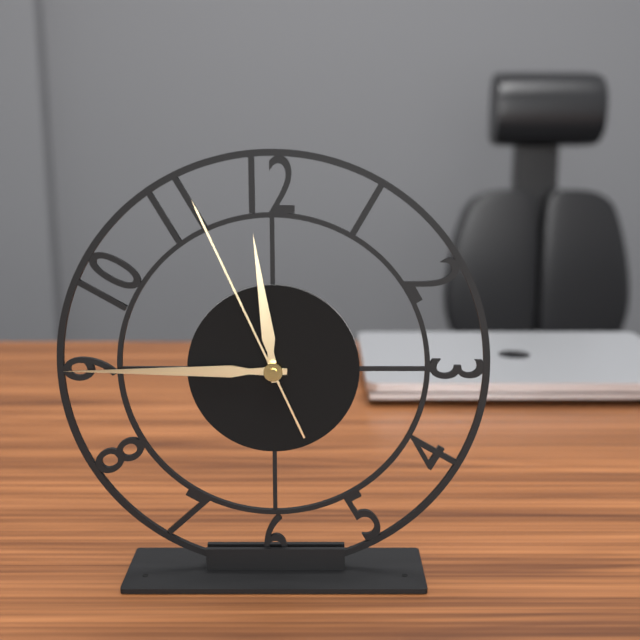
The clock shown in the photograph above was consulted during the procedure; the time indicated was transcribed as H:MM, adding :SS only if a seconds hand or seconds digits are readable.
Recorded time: 11:45:56
